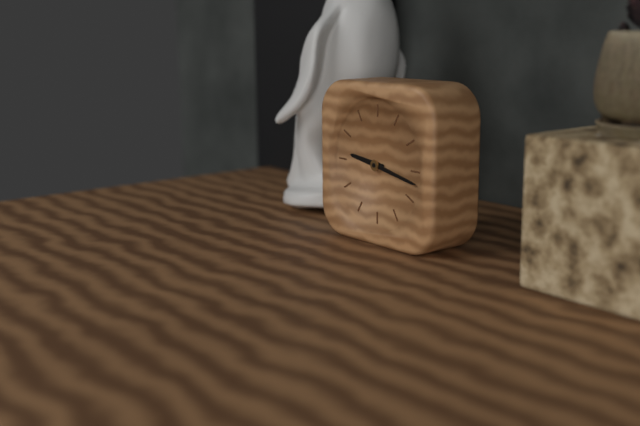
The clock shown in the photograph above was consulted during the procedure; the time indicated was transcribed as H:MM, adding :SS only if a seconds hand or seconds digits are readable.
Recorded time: 9:17
